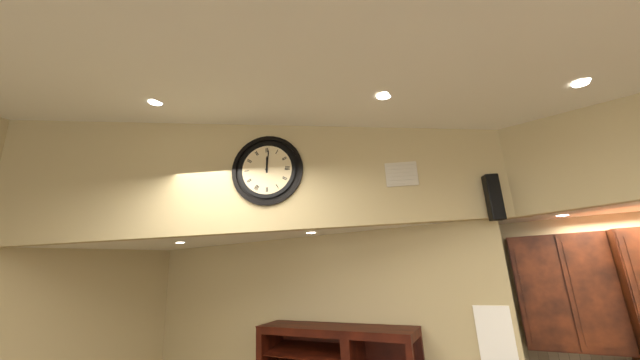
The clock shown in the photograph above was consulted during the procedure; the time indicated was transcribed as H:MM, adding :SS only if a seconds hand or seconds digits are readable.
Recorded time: 12:01
